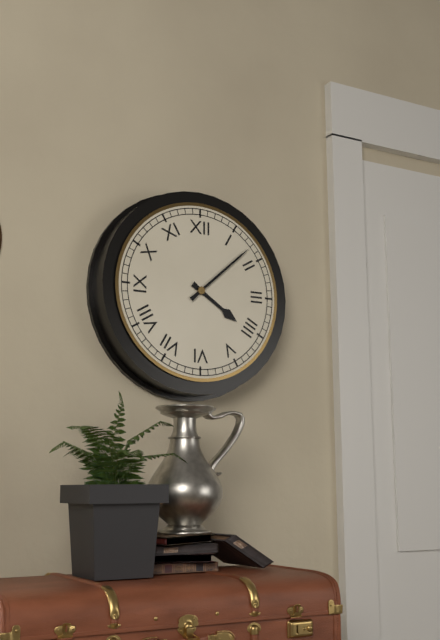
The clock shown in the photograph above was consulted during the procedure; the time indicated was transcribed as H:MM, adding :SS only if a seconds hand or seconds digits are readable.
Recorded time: 4:08
